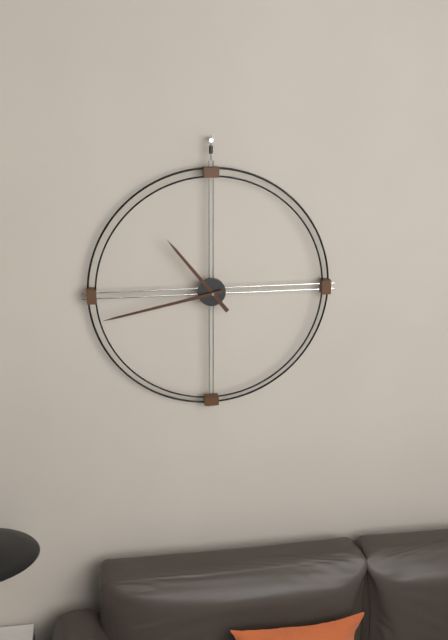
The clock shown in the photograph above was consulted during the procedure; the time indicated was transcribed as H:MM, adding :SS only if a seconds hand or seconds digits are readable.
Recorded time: 10:43
